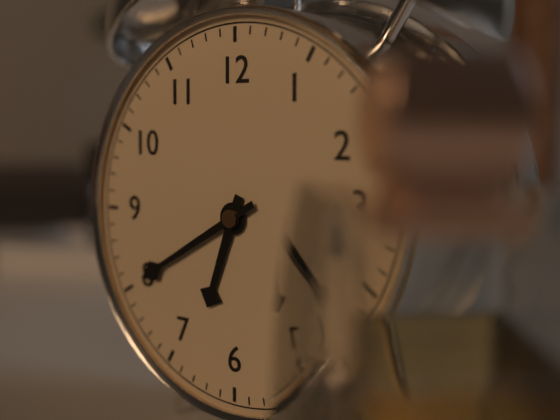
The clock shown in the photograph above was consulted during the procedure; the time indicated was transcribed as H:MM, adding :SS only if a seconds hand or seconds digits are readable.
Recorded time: 6:40
